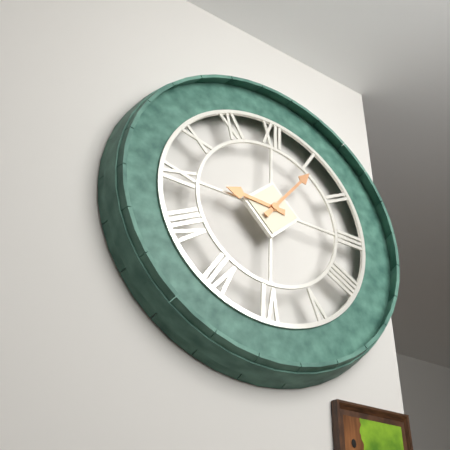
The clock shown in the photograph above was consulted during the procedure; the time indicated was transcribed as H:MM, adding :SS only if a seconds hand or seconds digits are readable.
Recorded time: 9:06
